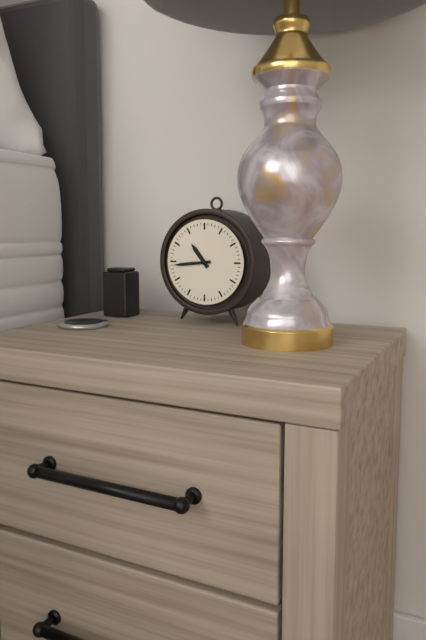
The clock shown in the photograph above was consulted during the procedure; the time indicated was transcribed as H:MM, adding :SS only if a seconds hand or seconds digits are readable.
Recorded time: 10:44
